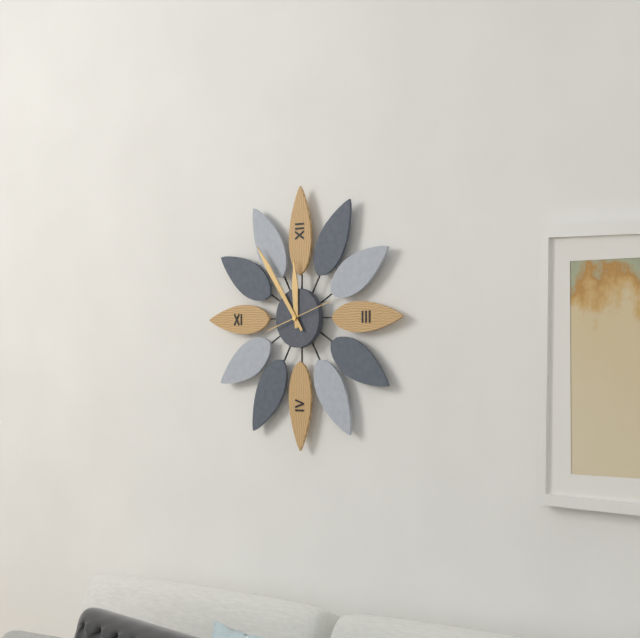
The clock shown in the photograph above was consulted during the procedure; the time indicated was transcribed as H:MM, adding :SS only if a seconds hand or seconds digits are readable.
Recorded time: 11:54
